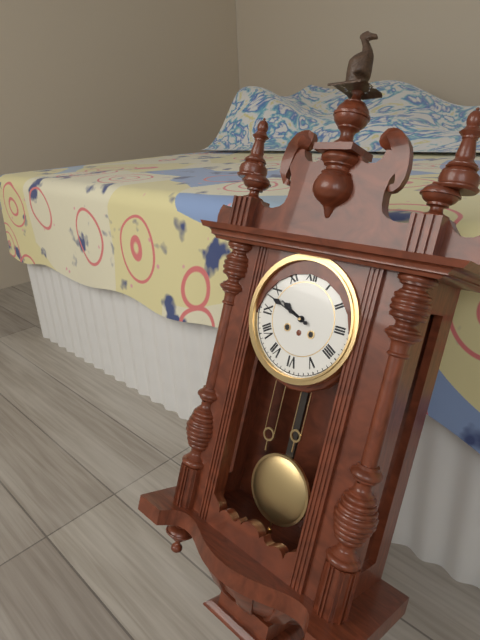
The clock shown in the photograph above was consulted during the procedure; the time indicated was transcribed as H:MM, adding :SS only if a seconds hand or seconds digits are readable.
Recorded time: 9:48
